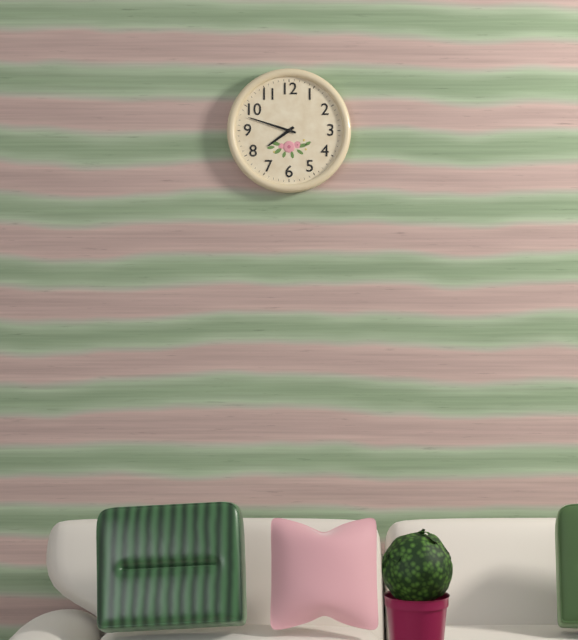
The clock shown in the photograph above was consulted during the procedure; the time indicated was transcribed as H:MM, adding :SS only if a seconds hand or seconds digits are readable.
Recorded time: 7:48
